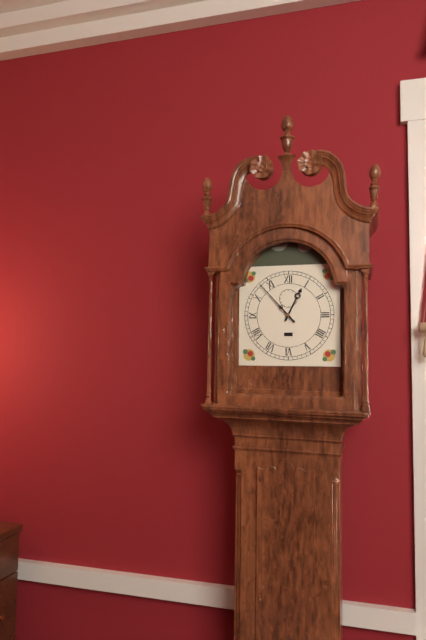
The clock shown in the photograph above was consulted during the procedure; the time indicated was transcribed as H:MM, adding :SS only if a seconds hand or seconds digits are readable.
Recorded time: 12:53
